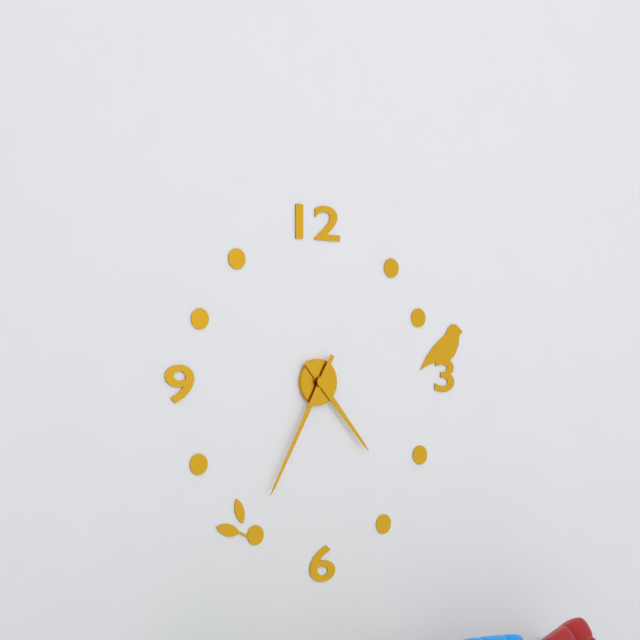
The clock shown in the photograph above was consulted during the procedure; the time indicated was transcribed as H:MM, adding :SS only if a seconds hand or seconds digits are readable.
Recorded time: 4:35
